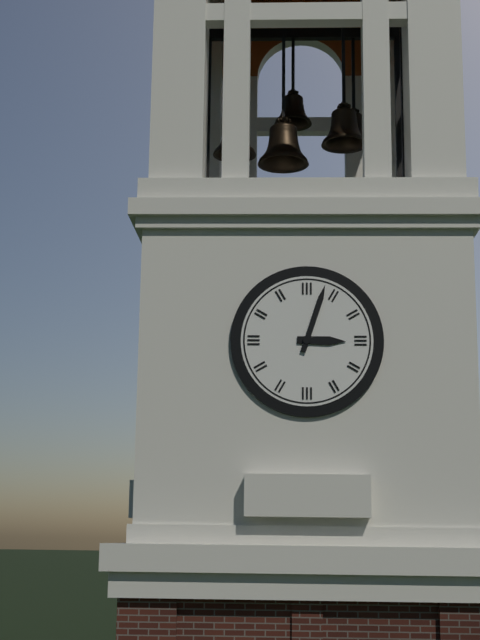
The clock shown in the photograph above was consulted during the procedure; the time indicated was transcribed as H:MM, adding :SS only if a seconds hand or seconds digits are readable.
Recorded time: 3:03
